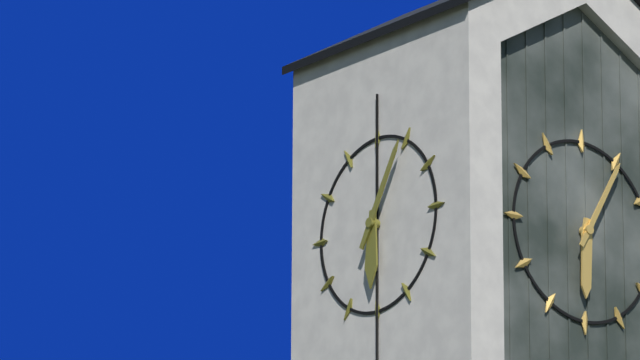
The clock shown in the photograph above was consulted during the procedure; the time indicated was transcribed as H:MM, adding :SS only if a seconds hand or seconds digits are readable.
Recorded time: 6:05
